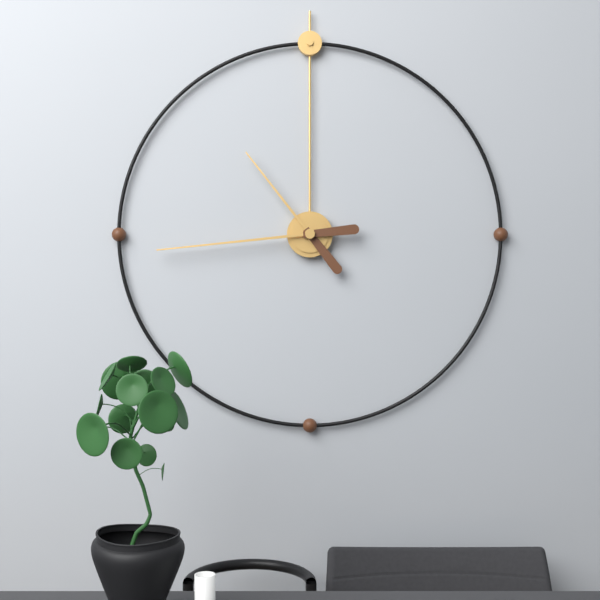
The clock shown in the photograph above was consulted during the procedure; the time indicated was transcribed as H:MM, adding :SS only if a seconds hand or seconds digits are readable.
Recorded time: 10:44
